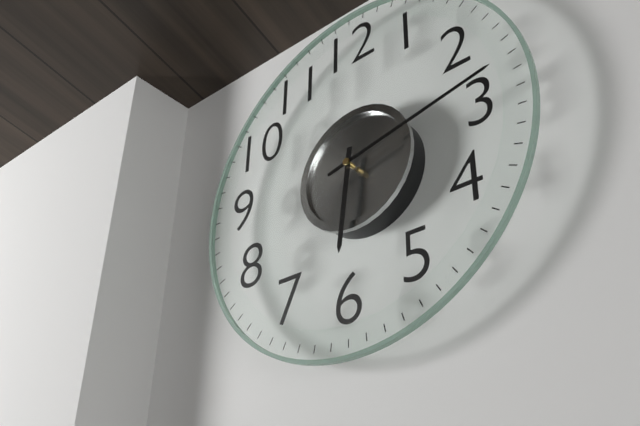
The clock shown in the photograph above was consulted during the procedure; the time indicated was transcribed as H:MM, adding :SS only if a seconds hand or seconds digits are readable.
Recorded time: 6:13
